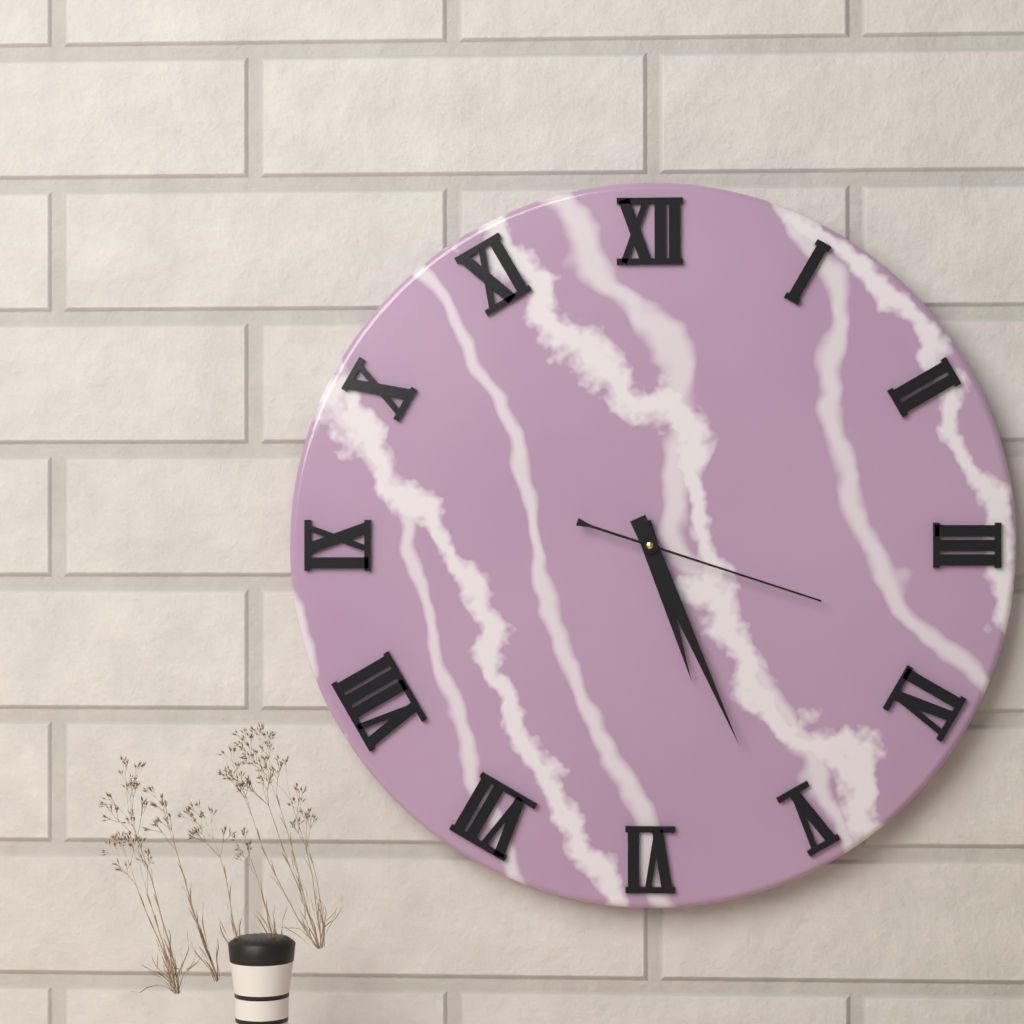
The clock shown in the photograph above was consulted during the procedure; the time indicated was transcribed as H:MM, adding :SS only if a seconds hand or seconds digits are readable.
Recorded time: 5:26:18
